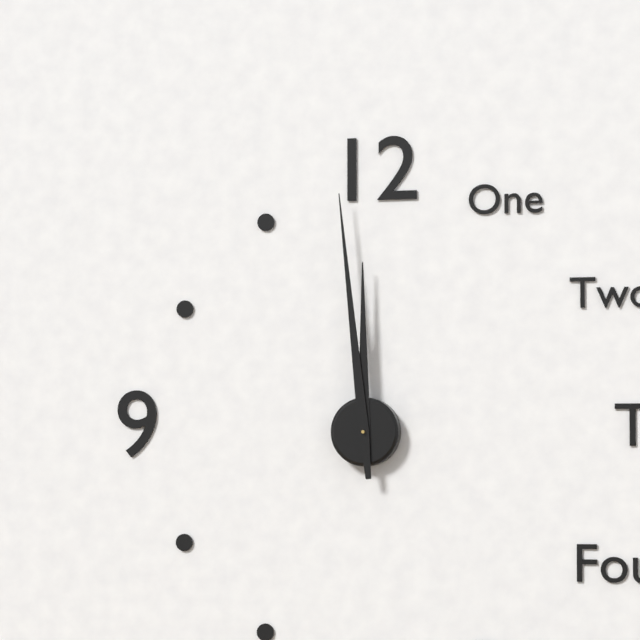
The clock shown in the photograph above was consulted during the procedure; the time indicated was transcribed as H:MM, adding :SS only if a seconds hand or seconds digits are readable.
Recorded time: 11:59
